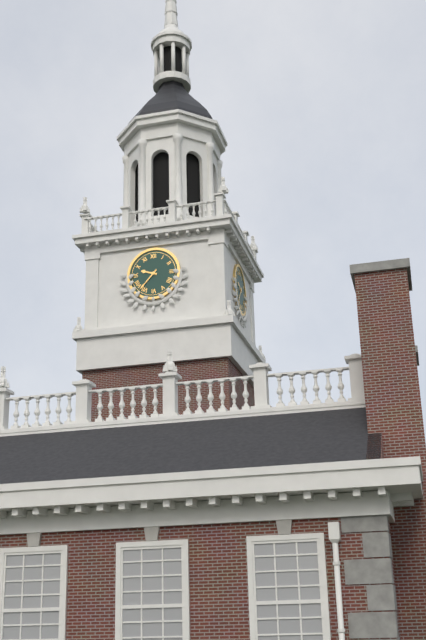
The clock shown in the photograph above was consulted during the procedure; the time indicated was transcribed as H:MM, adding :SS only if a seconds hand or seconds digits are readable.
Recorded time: 9:37
